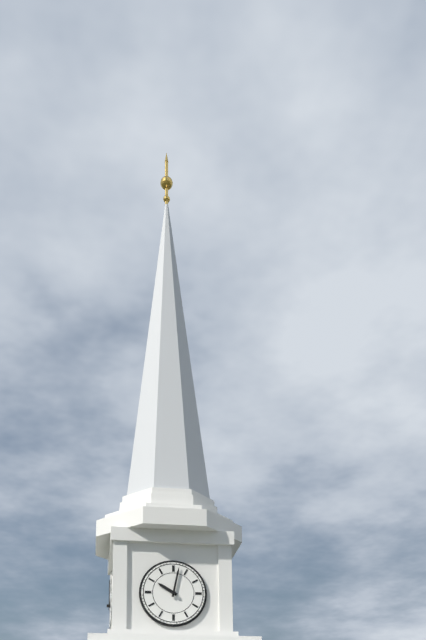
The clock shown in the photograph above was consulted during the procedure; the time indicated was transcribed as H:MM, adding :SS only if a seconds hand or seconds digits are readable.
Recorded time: 10:02
